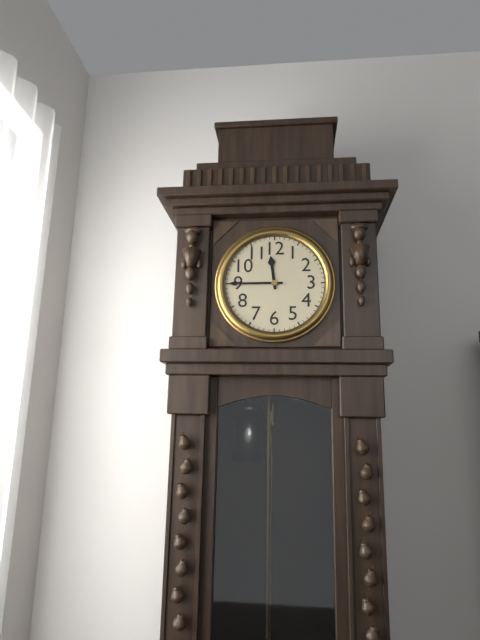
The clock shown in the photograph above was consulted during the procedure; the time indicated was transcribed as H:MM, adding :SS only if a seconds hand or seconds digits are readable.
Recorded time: 11:45
